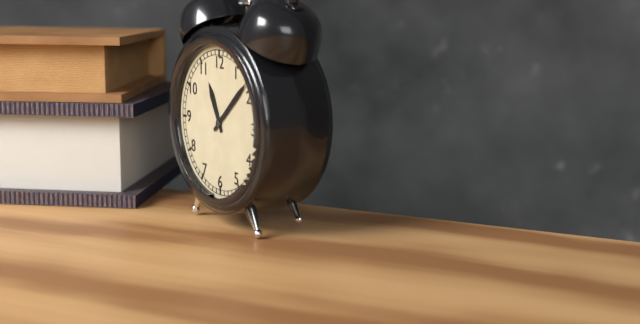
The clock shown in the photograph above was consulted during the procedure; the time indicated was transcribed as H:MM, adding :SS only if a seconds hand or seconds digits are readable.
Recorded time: 11:08
